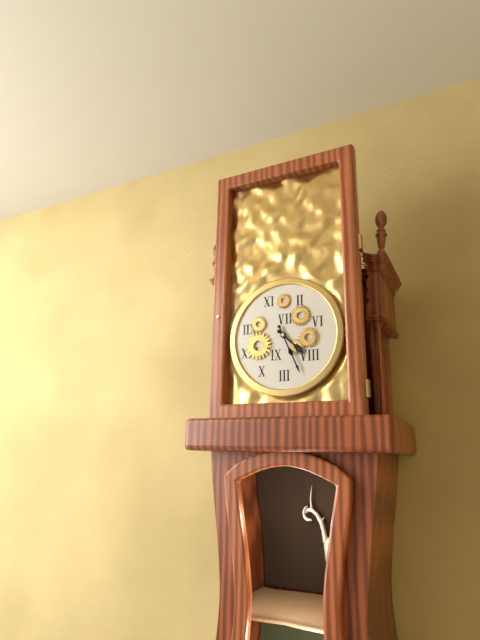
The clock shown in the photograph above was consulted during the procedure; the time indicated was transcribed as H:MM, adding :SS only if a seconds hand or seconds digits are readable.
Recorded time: 4:26
